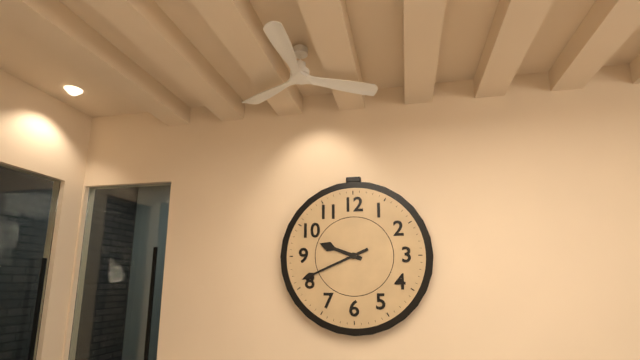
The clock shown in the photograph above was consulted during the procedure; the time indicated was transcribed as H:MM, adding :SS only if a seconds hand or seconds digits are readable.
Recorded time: 9:41
